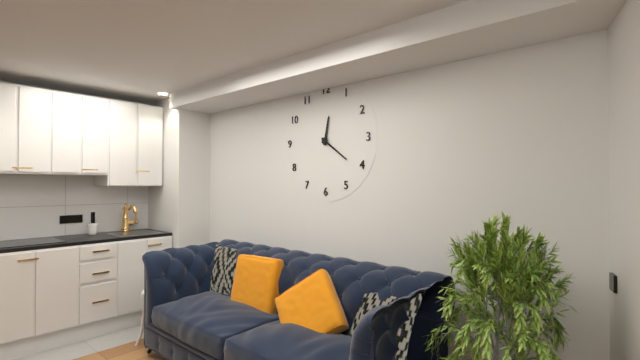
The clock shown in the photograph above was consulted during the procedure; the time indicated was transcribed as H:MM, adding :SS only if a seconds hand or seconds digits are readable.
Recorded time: 12:21
